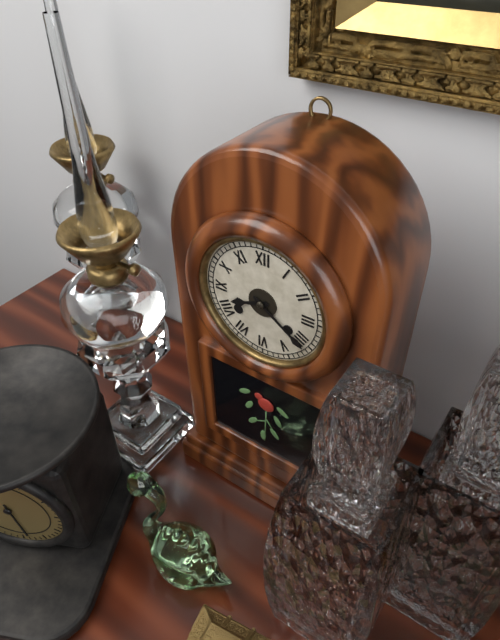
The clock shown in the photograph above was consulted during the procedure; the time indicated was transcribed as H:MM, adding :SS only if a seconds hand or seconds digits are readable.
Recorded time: 8:21
